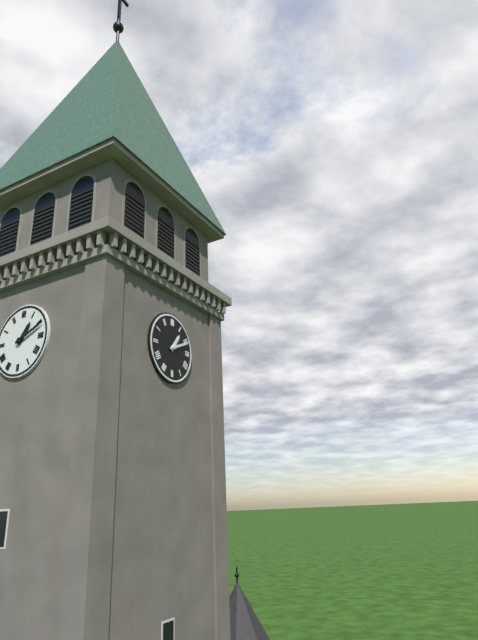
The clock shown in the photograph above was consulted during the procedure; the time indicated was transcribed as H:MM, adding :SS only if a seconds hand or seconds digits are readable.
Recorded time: 1:11
